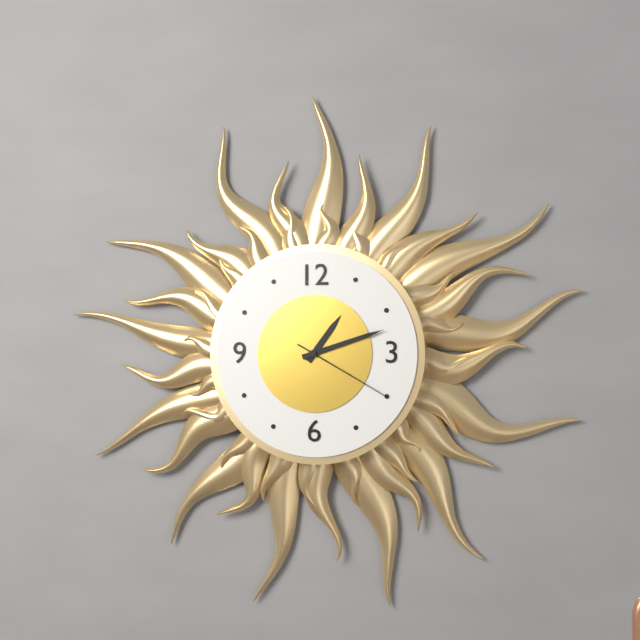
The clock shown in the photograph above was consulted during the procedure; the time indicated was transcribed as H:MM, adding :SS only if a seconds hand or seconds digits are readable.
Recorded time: 1:12:20
